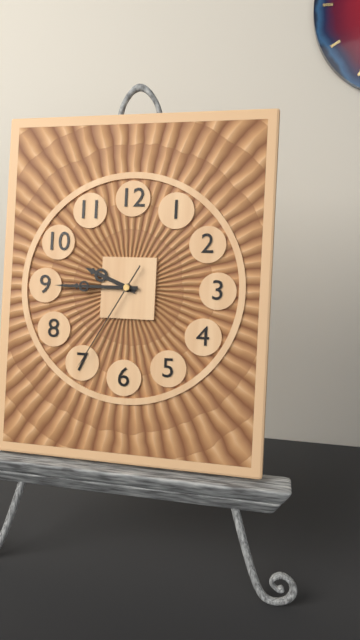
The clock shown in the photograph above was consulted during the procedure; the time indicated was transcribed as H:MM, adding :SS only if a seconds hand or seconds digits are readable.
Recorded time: 9:45:35
